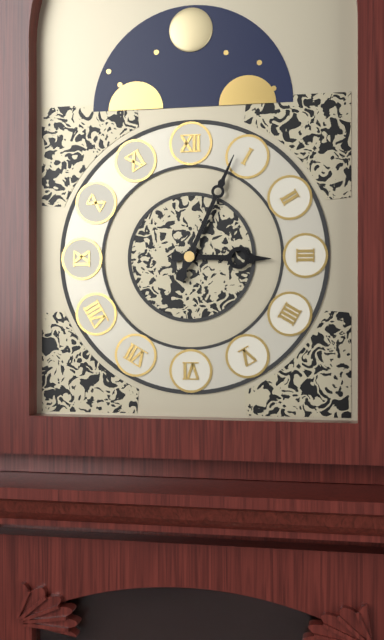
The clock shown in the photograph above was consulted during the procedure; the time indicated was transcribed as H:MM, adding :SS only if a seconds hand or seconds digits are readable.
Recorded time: 3:04
